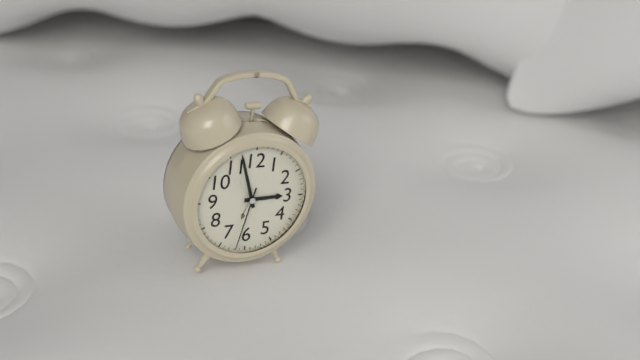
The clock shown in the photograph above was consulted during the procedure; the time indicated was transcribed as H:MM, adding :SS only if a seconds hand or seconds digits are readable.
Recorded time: 2:57:32
